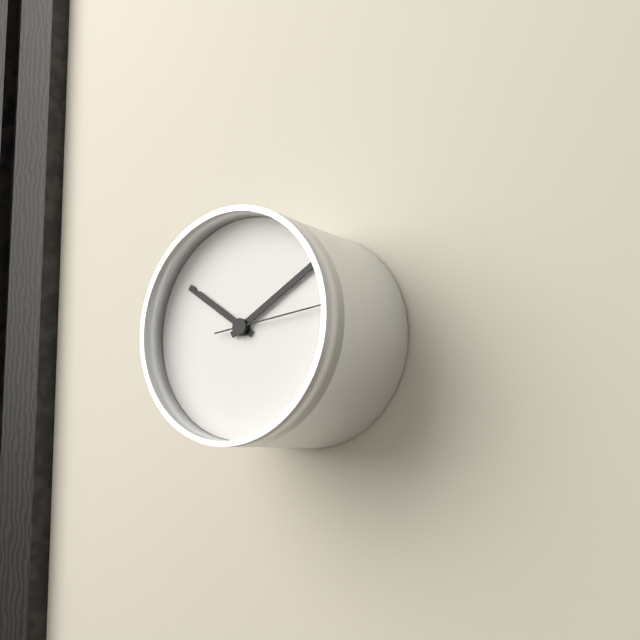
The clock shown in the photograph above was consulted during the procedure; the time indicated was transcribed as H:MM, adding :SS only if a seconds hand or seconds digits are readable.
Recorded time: 10:10:14
